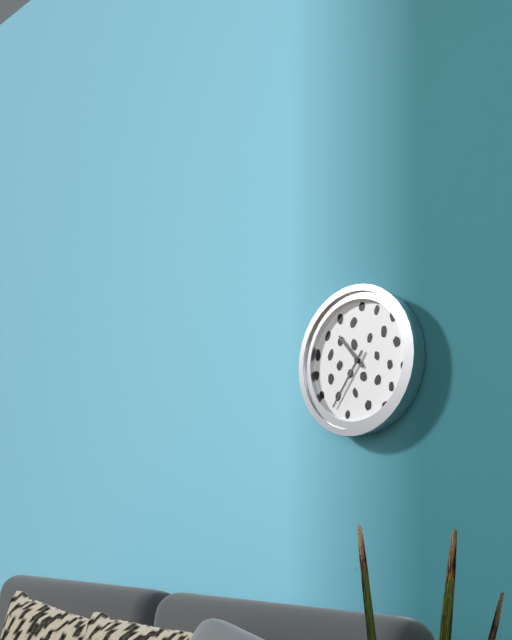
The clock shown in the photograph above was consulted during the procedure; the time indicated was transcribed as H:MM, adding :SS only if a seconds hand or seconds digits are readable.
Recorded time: 10:36
